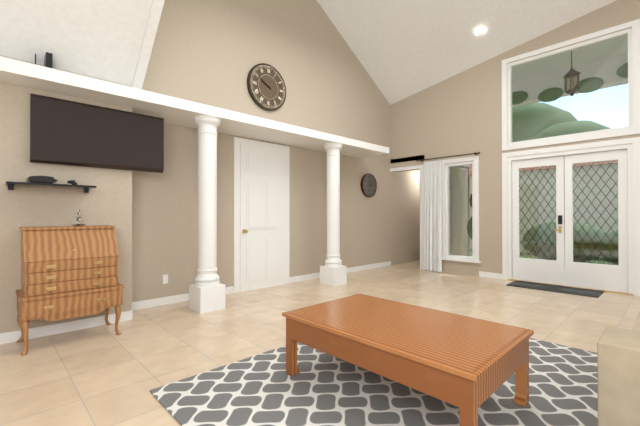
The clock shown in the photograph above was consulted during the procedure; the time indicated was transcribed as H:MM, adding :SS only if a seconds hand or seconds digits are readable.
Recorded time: 9:50
